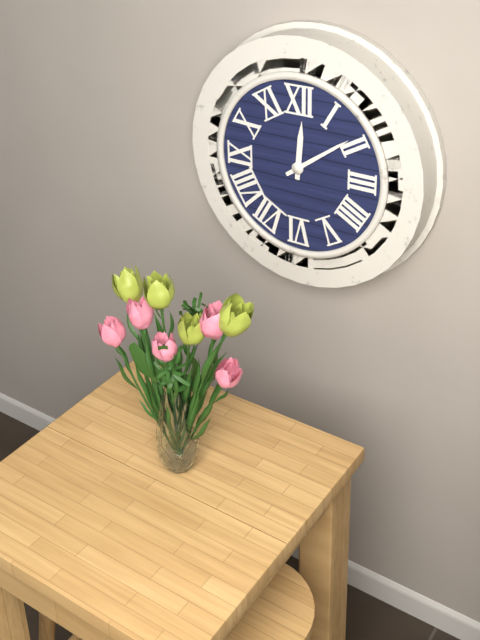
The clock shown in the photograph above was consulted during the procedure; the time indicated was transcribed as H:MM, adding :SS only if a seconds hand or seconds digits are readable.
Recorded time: 12:09
